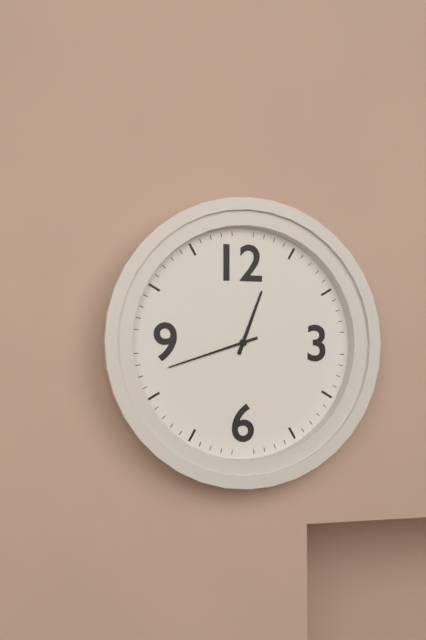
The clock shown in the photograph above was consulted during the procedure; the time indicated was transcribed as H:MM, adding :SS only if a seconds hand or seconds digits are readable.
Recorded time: 12:42
